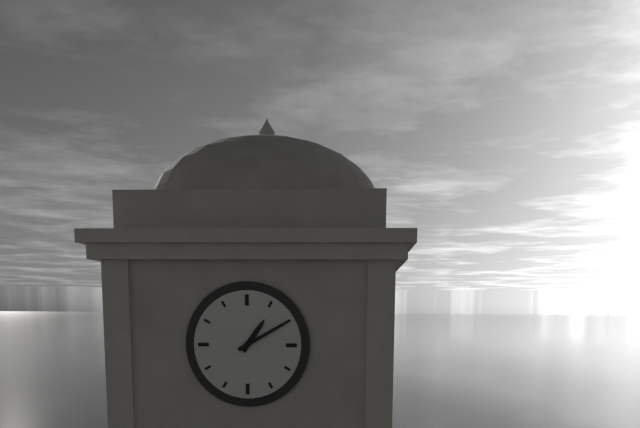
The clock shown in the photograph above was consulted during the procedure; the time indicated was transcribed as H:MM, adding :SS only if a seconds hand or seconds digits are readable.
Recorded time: 1:10
